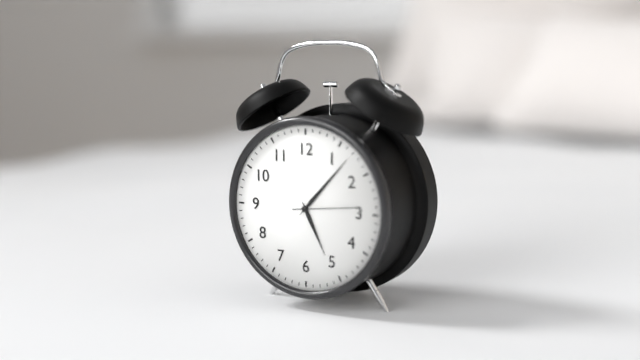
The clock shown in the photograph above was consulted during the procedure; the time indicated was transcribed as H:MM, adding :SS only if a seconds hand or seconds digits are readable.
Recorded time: 5:07
